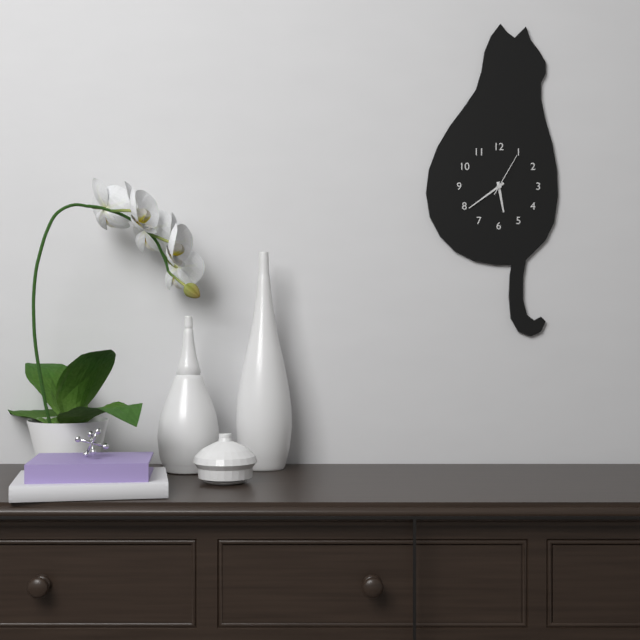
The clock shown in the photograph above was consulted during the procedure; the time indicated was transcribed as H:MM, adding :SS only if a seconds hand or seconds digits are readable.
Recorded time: 5:39
